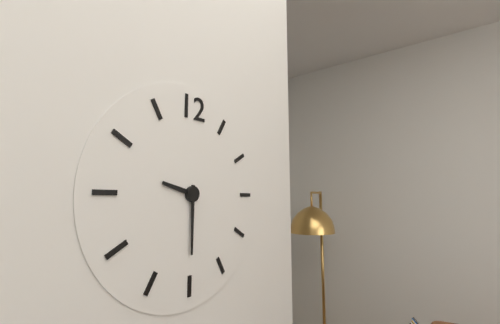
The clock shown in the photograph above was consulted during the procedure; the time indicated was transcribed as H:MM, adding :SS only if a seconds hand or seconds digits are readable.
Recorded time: 9:30
